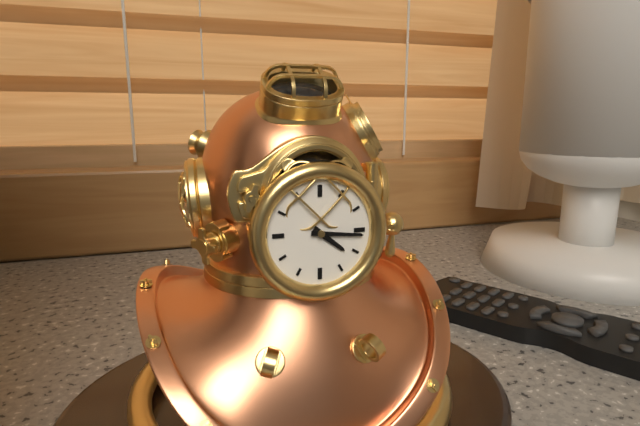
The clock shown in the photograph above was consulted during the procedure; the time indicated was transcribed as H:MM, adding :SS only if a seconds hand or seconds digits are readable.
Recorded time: 4:16
